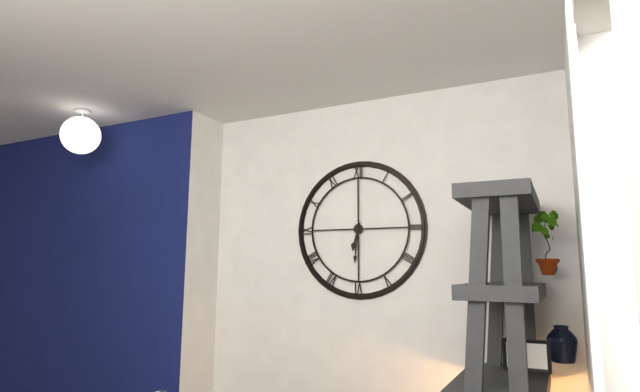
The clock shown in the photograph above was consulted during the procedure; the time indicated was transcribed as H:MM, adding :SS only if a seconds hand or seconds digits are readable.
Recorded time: 6:31
